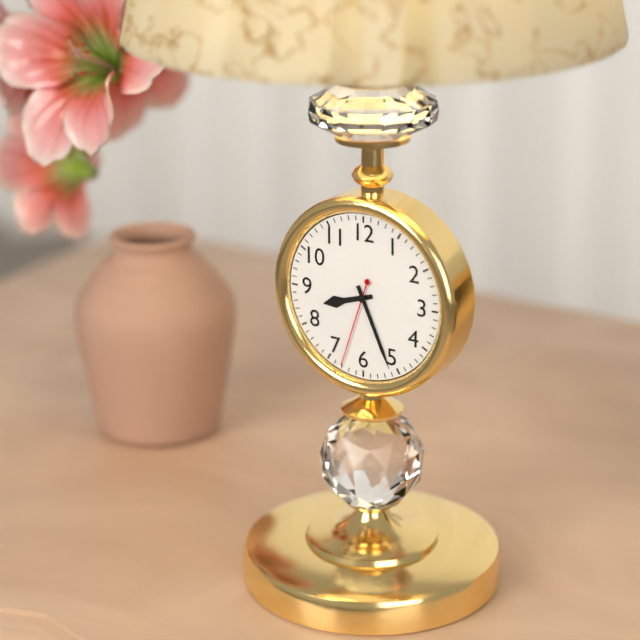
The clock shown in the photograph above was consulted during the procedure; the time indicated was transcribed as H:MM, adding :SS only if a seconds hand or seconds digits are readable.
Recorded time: 8:26:33
